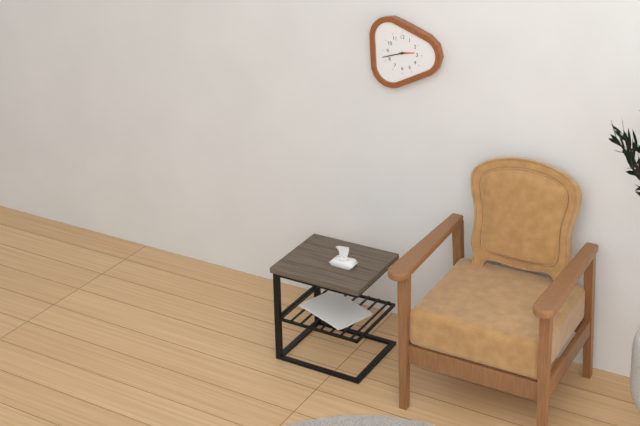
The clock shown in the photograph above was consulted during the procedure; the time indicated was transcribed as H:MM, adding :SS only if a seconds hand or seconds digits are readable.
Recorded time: 2:42
